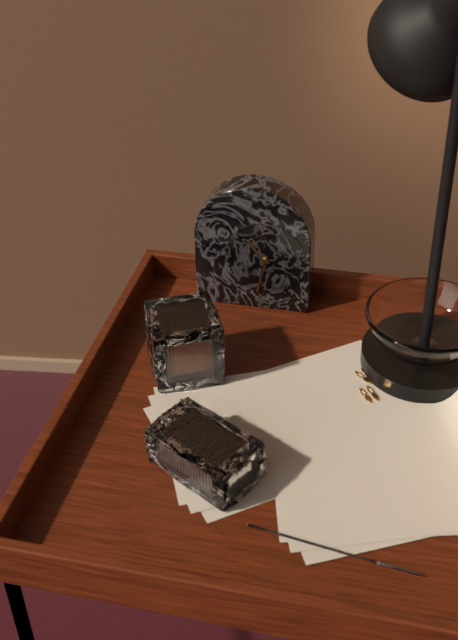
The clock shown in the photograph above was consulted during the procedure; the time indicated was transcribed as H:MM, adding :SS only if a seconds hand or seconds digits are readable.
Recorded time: 10:32
